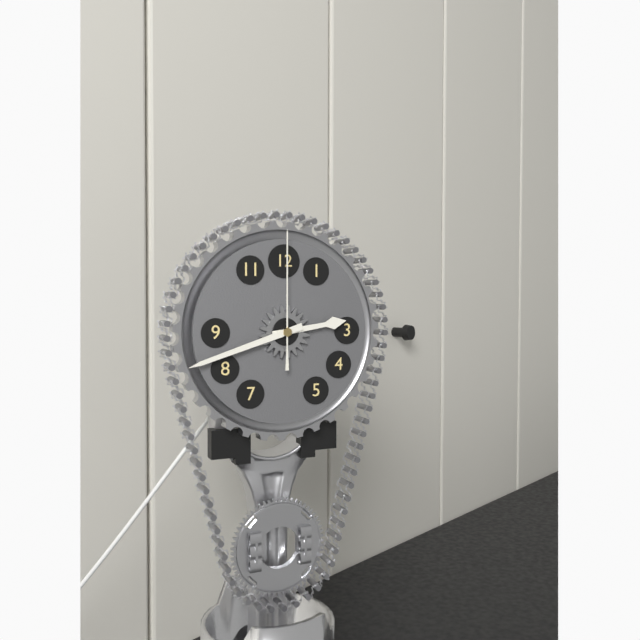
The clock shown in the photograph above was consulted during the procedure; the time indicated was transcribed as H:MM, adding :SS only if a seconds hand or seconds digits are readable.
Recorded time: 2:42:00
